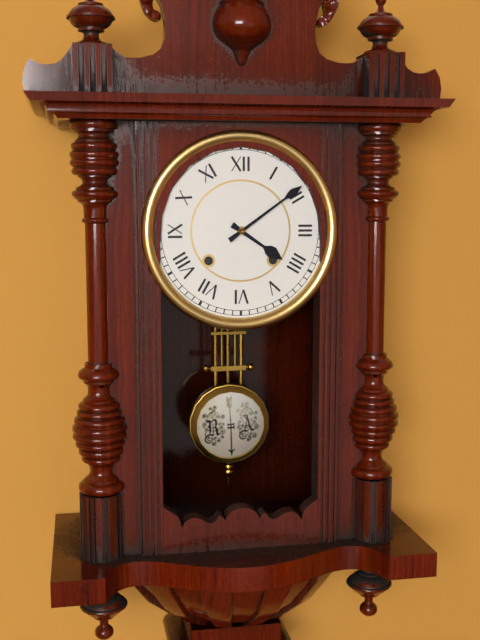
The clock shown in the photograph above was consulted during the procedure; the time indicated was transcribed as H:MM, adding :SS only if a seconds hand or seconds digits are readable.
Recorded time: 4:09
